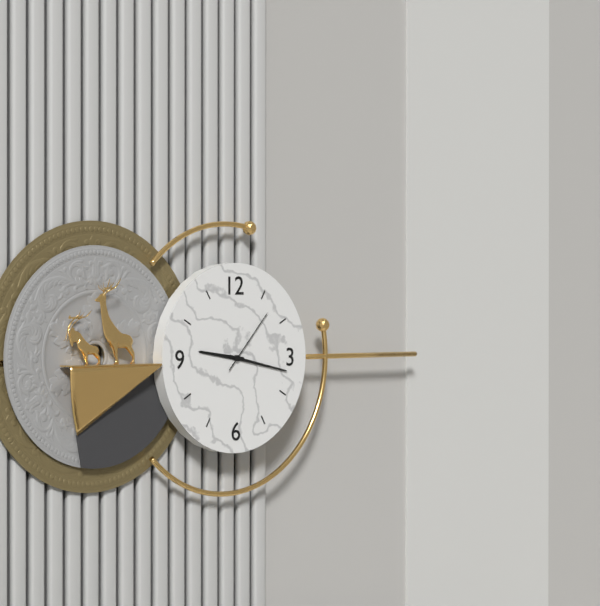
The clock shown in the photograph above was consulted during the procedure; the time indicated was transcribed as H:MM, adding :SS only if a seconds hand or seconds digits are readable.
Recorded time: 9:17:07
